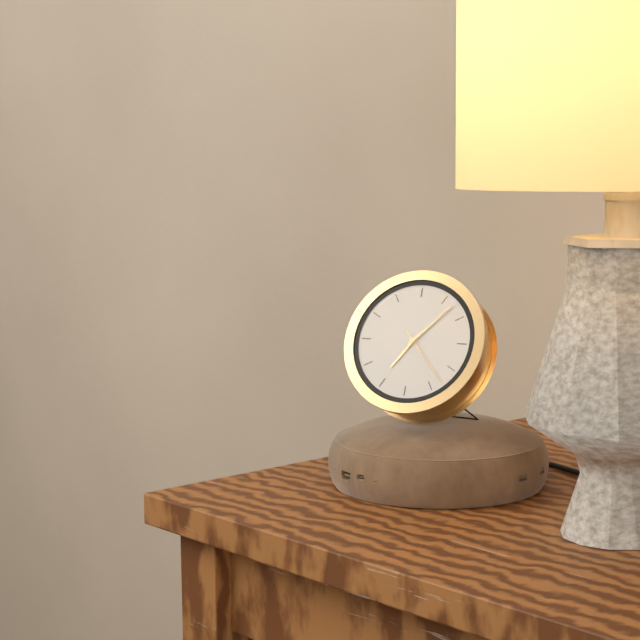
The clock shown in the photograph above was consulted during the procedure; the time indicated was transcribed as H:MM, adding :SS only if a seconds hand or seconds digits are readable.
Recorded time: 7:07:23
